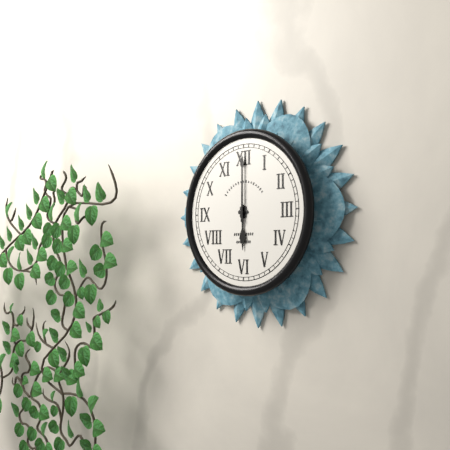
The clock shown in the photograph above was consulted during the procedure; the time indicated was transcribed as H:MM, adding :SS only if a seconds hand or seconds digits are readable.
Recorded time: 6:00
